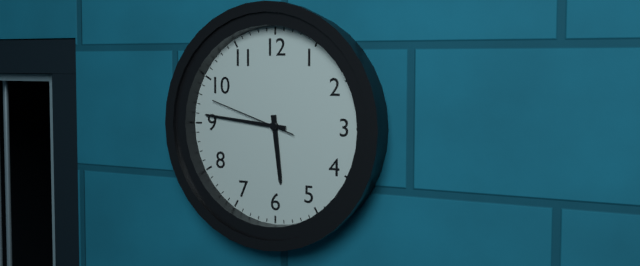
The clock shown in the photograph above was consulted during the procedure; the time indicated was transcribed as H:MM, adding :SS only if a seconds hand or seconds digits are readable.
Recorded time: 5:46:48
